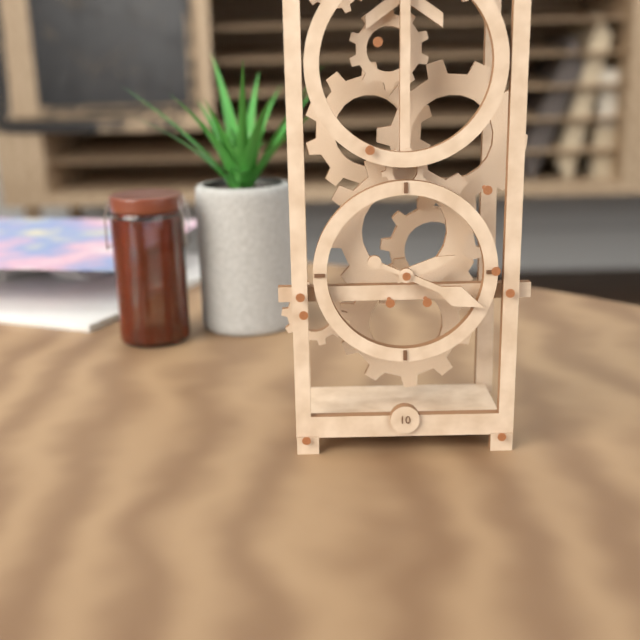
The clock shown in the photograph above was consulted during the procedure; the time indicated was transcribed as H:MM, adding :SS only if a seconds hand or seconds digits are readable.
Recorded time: 2:19
